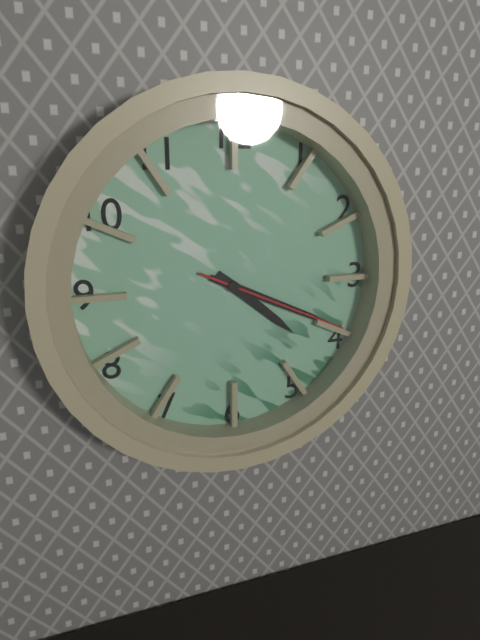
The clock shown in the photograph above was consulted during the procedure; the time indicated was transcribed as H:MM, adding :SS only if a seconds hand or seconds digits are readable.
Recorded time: 4:19:19
